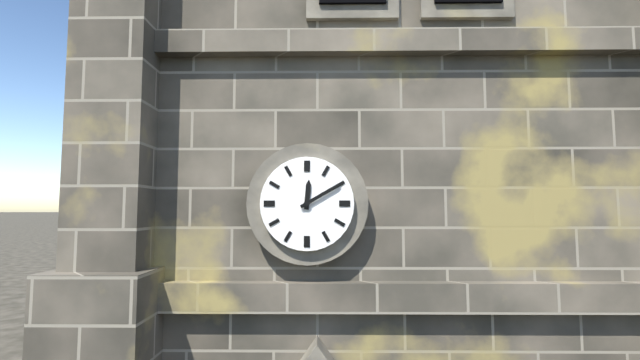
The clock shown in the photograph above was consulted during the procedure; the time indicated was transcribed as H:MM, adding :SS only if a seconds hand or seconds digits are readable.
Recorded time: 12:10
